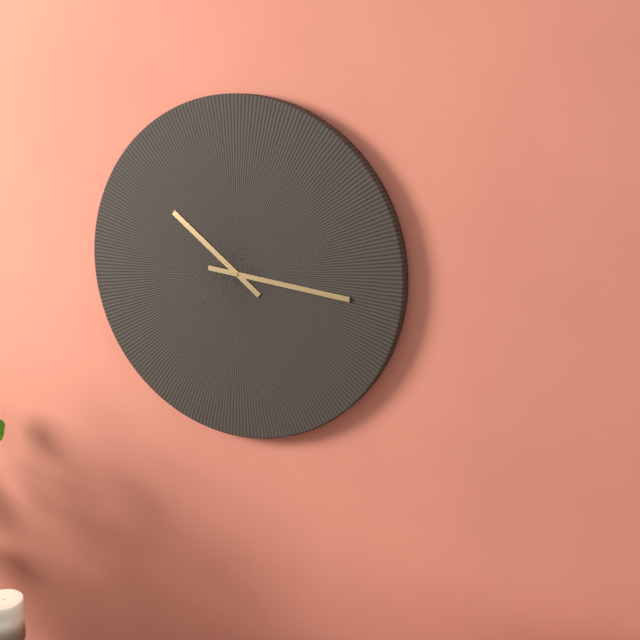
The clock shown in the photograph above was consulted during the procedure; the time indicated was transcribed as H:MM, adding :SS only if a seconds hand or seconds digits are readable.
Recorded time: 10:16
